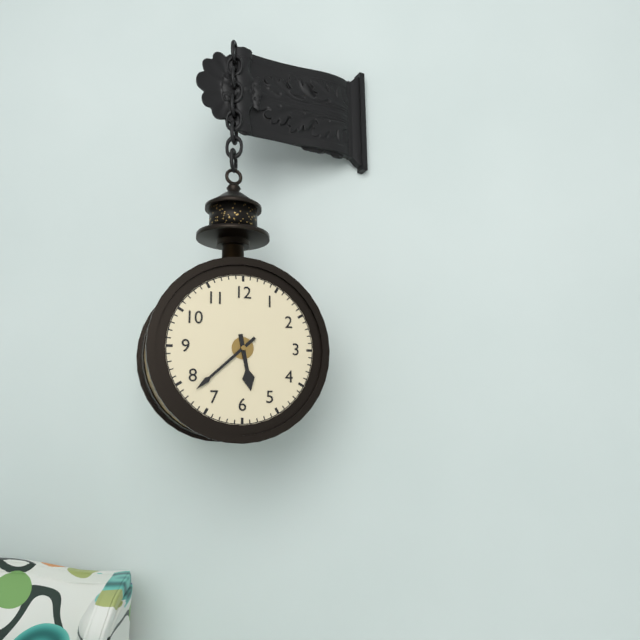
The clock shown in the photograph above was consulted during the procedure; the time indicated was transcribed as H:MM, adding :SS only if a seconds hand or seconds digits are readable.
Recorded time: 5:38
